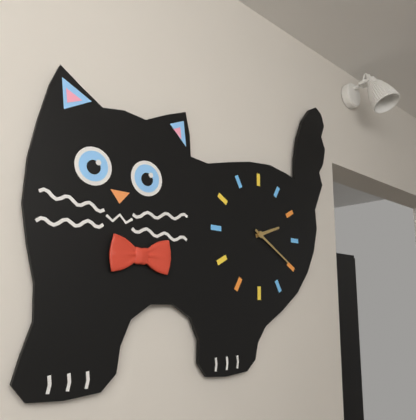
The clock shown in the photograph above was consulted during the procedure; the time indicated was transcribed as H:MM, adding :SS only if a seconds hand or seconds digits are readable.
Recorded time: 2:20
